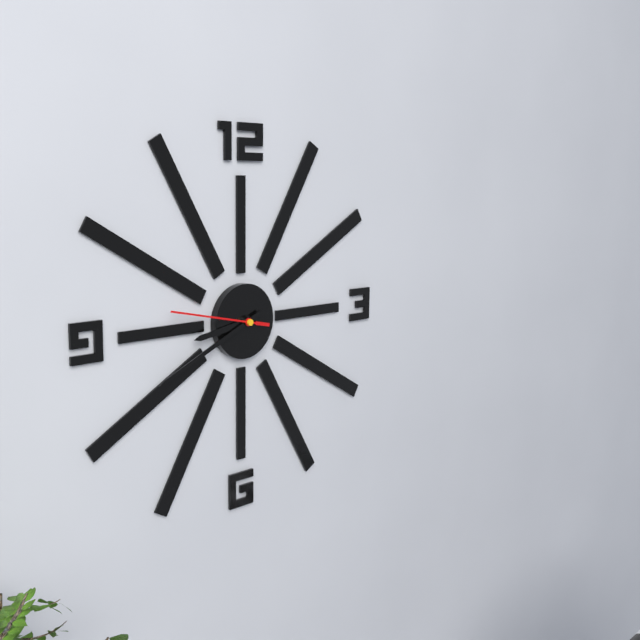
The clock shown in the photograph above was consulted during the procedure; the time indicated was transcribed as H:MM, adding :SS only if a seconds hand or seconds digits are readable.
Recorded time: 8:41:47
